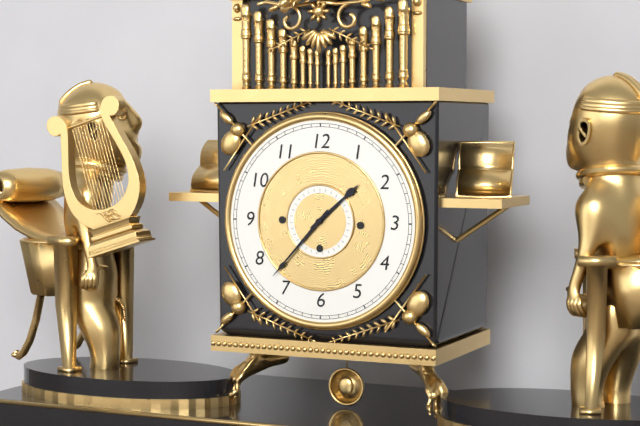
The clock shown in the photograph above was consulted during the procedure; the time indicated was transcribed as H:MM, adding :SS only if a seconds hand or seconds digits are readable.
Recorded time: 1:37
